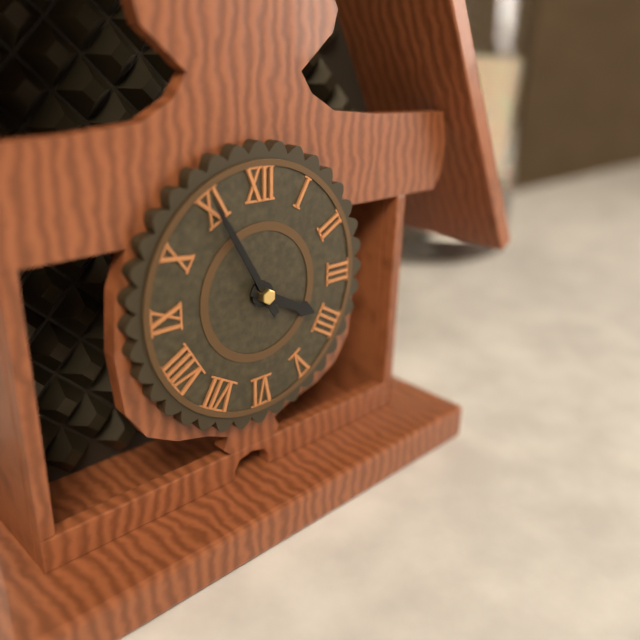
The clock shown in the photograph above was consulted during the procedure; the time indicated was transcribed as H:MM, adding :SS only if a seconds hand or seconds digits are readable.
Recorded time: 3:55
